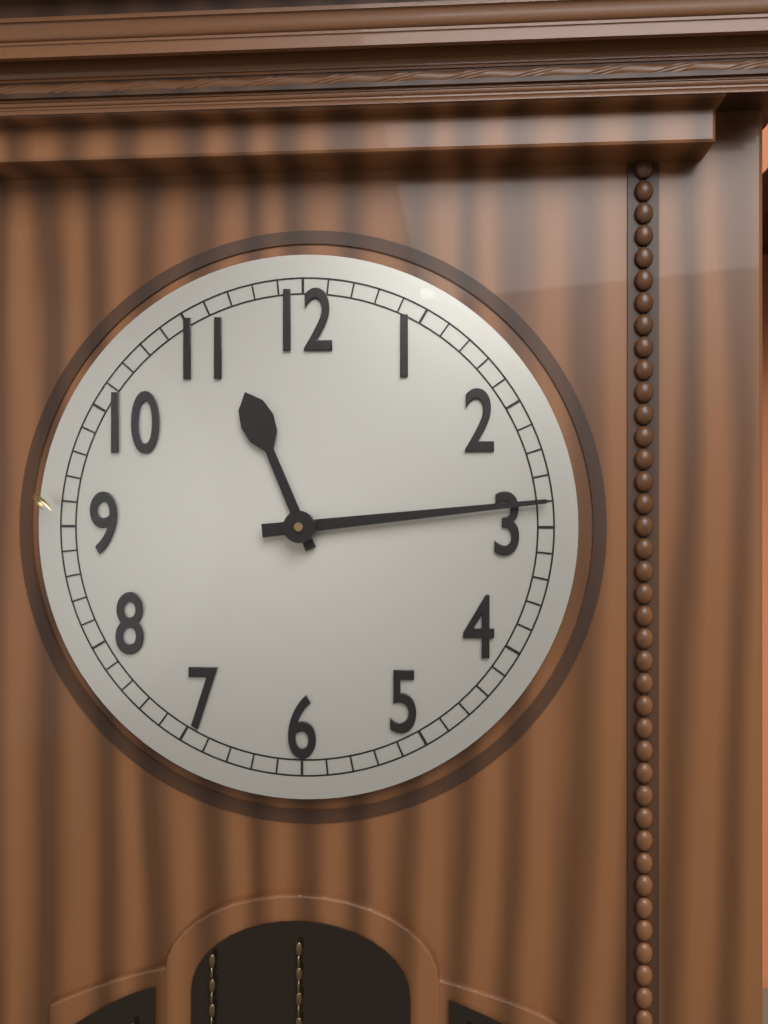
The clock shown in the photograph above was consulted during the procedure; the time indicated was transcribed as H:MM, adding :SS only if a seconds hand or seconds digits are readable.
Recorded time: 11:14
